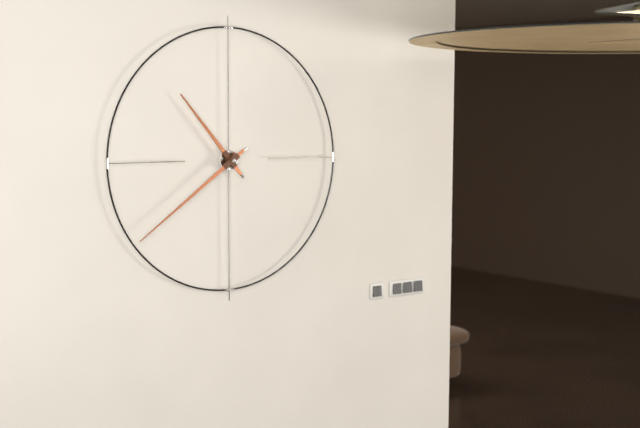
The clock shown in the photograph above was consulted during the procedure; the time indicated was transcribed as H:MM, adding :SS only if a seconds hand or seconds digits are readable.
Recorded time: 10:39
